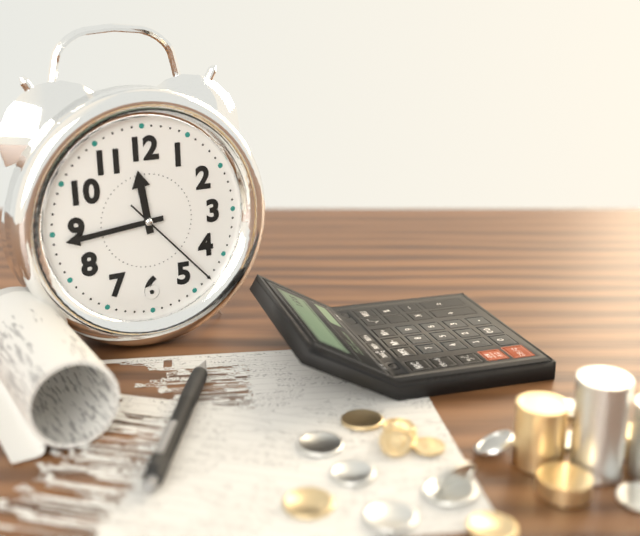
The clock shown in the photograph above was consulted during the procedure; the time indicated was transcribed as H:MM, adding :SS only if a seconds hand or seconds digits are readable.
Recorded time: 11:44:23
